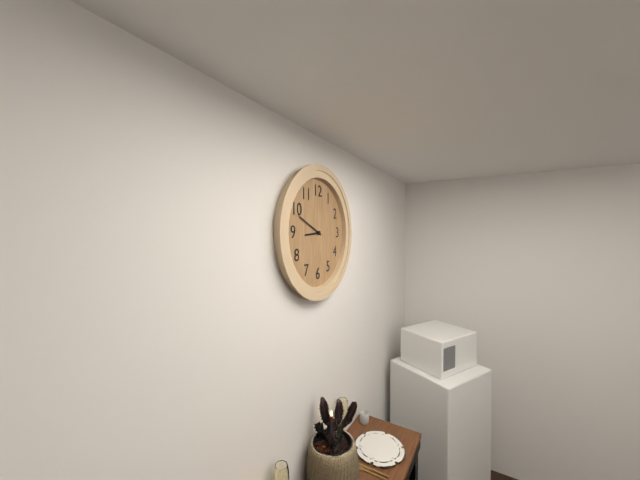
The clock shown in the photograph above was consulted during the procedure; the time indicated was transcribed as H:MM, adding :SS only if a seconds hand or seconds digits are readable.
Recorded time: 8:49
